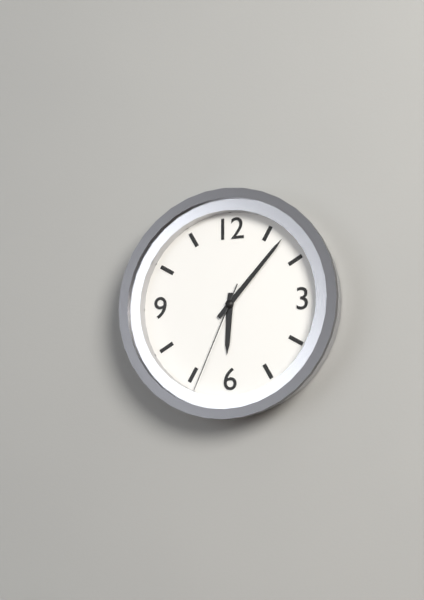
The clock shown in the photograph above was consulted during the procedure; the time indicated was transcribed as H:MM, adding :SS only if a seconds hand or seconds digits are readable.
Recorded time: 6:07:34
